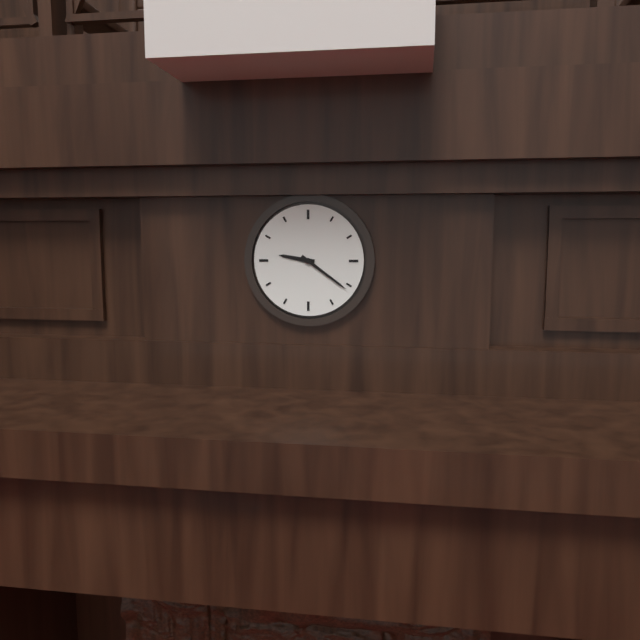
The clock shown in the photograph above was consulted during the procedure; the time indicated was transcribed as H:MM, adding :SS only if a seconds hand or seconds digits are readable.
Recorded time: 9:21
